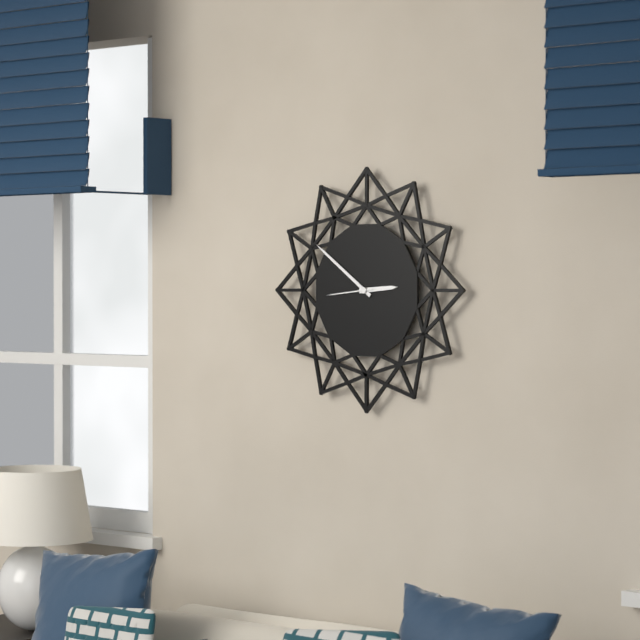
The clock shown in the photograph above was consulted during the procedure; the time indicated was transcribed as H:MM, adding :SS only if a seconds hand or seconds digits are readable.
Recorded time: 2:51:44
